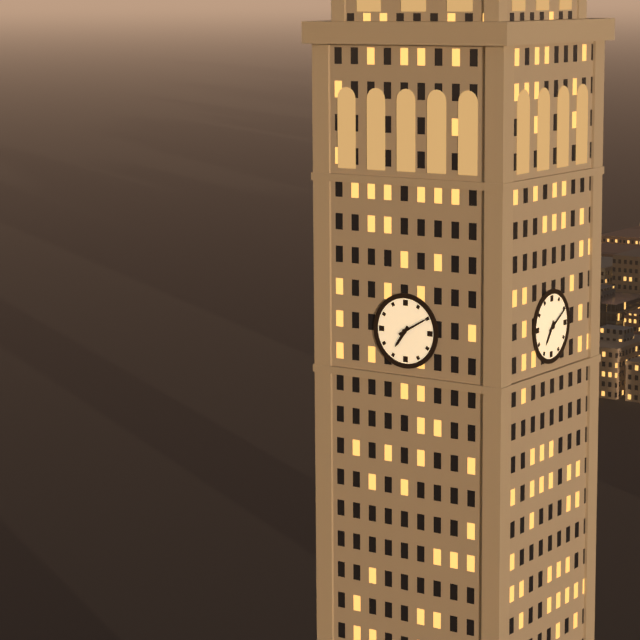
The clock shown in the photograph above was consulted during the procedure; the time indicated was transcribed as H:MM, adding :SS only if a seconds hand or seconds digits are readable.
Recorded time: 7:10
